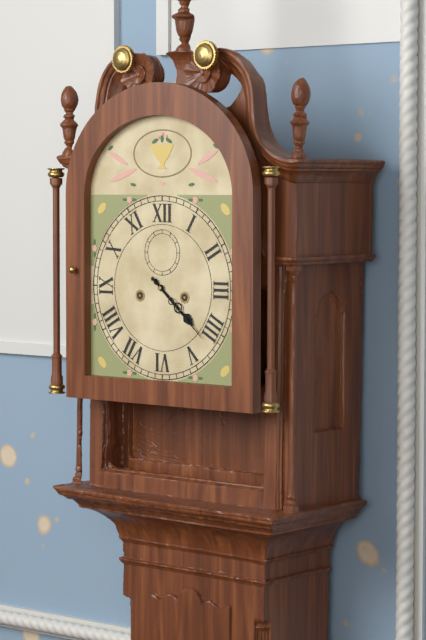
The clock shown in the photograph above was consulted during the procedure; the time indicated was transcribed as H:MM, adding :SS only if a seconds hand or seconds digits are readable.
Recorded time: 4:22
